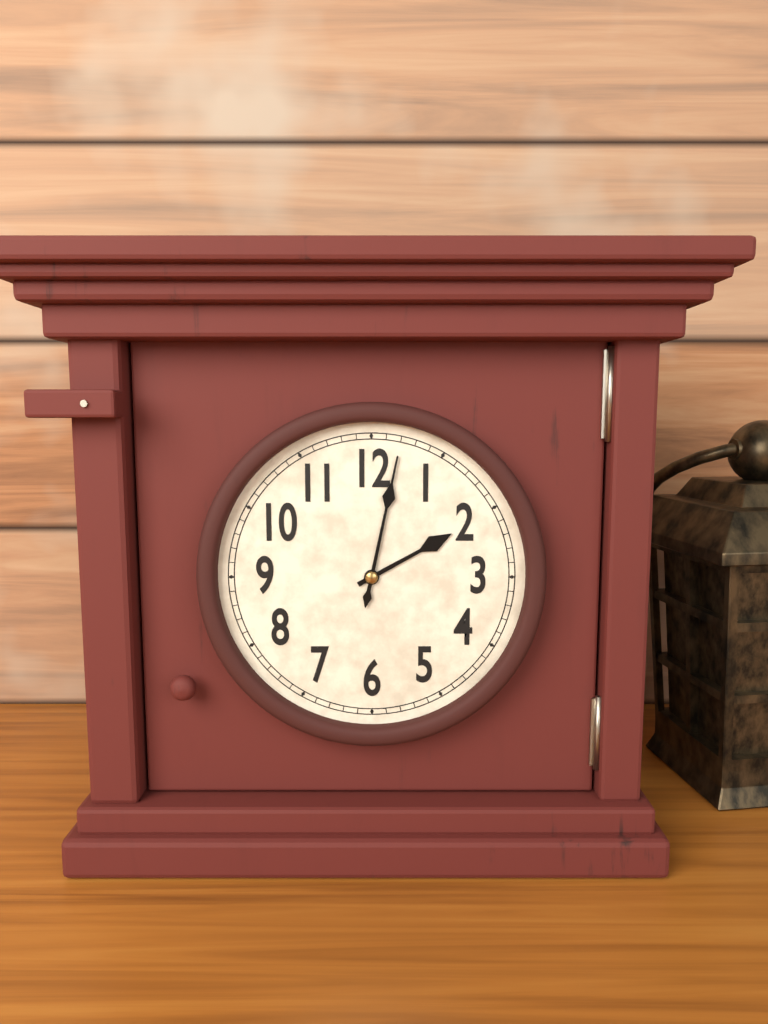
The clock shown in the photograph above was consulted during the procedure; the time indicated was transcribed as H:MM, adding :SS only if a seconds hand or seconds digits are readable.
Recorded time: 2:02
